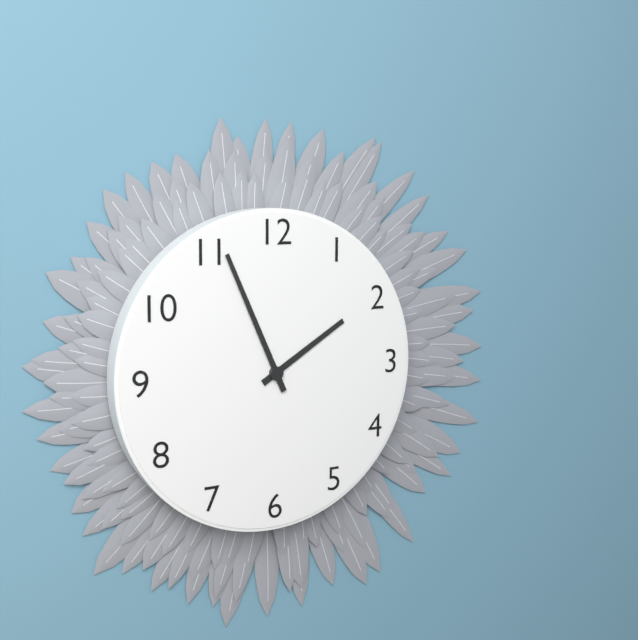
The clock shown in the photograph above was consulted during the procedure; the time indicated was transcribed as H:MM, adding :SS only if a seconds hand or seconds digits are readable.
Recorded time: 1:56
